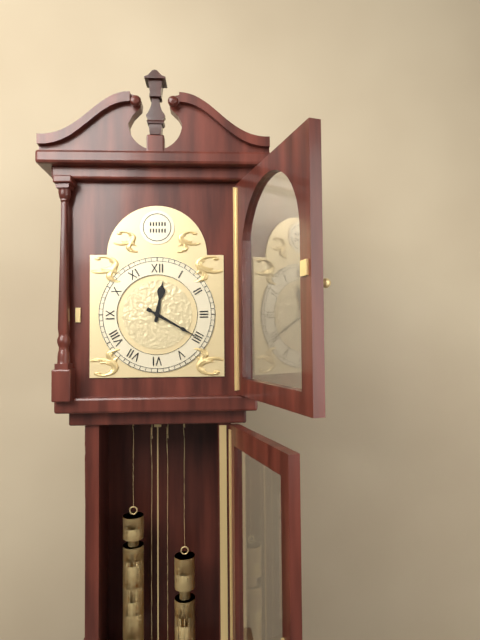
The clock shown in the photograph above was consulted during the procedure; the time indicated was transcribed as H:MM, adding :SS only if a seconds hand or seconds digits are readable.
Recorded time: 12:20
